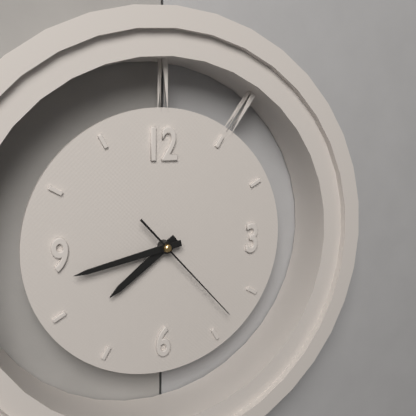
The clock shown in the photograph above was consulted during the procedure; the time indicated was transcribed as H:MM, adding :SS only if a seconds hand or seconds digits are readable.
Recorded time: 7:43:23
